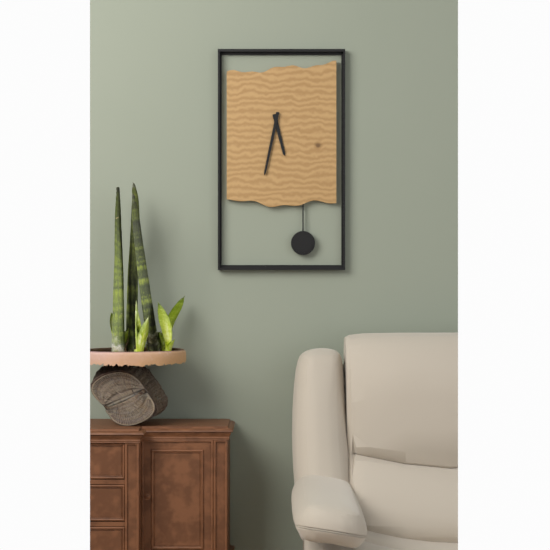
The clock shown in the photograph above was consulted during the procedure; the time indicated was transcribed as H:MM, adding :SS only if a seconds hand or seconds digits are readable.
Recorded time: 5:32
